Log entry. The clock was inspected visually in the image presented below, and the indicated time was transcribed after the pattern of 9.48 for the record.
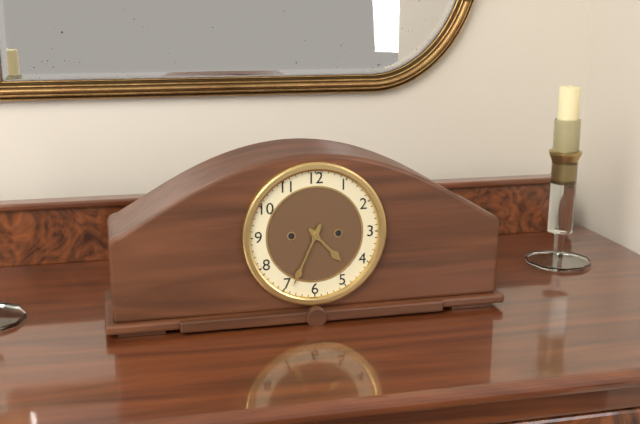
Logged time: 4.34
